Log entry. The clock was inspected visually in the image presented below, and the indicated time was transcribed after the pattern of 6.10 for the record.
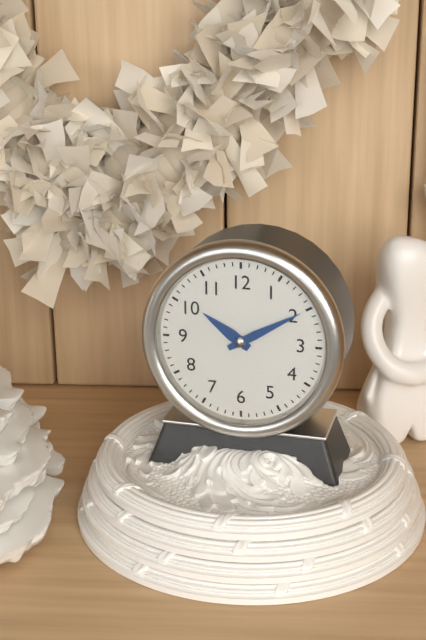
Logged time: 10.10
